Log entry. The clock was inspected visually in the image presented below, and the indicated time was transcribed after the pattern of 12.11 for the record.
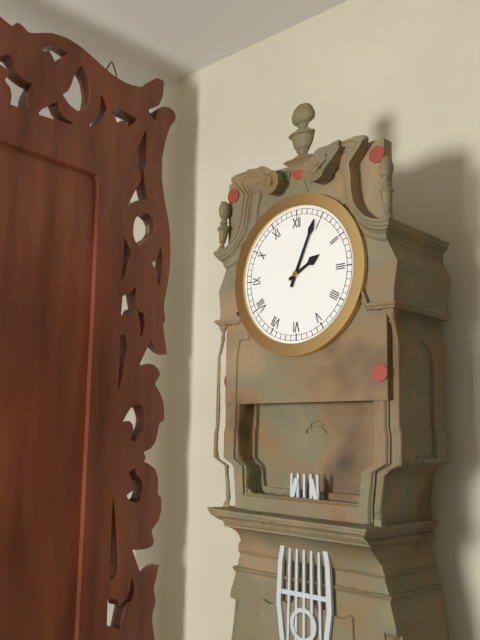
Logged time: 2.04
